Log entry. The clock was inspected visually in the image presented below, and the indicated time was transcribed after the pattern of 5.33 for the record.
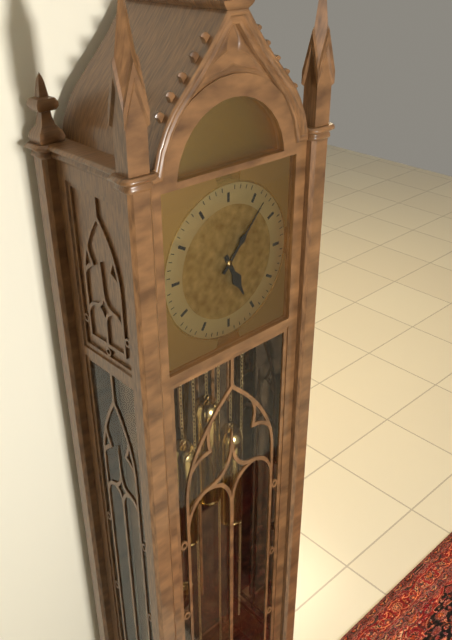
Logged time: 5.07
